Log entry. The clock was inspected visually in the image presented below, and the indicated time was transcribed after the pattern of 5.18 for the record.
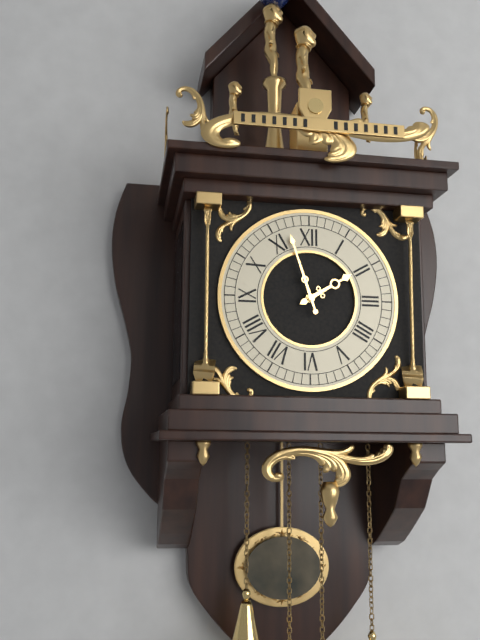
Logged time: 1.57
